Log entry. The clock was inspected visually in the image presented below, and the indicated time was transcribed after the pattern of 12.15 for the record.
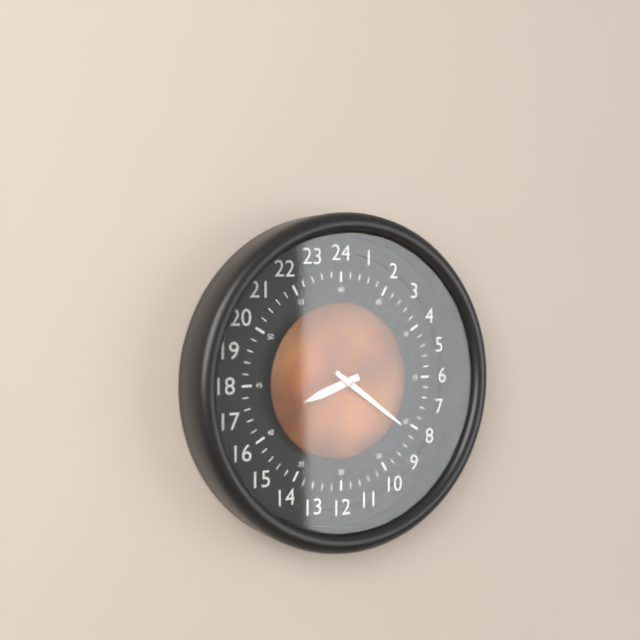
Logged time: 8.21
